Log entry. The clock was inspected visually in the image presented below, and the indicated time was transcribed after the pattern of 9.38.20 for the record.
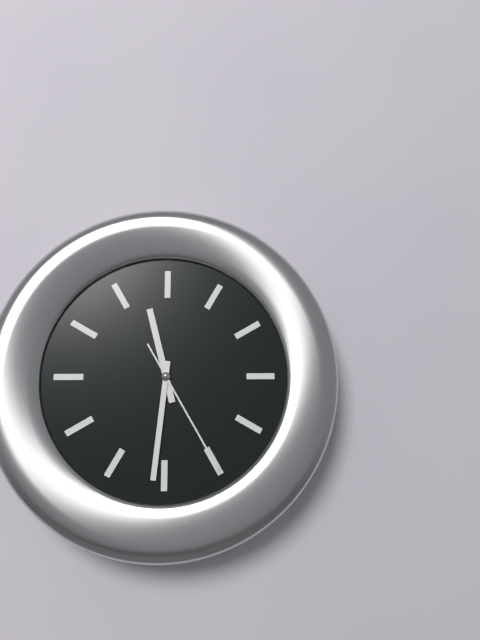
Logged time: 11.31.25
